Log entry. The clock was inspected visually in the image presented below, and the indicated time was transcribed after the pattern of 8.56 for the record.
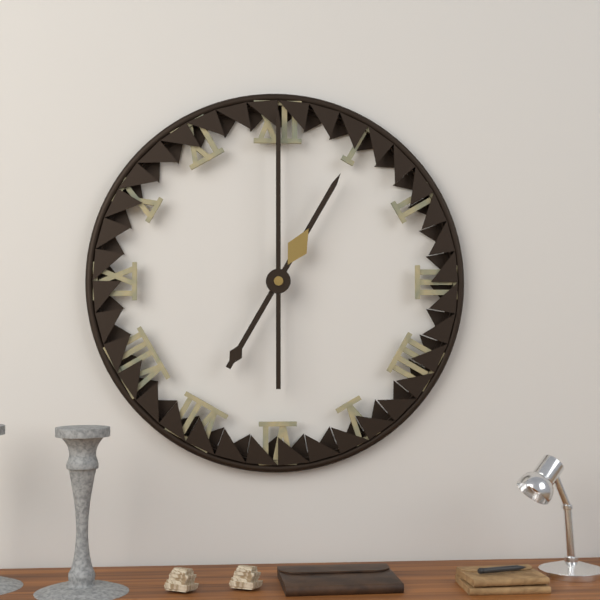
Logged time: 1.00
